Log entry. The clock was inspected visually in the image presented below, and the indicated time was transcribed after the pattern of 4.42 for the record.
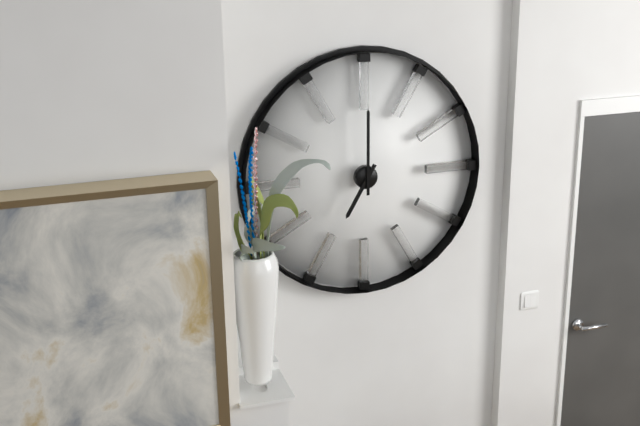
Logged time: 7.00
